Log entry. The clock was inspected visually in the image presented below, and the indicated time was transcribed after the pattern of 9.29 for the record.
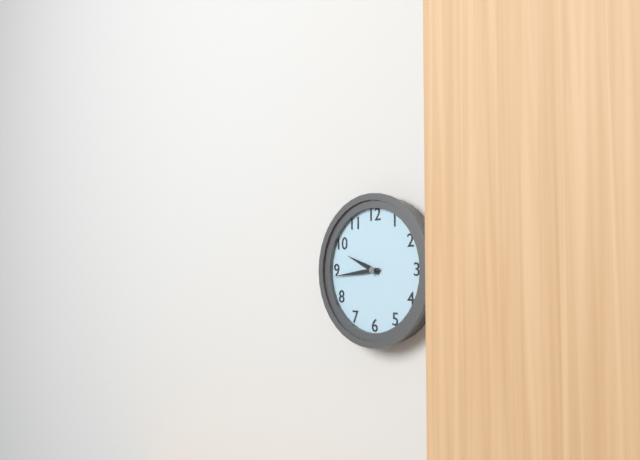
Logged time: 9.44
